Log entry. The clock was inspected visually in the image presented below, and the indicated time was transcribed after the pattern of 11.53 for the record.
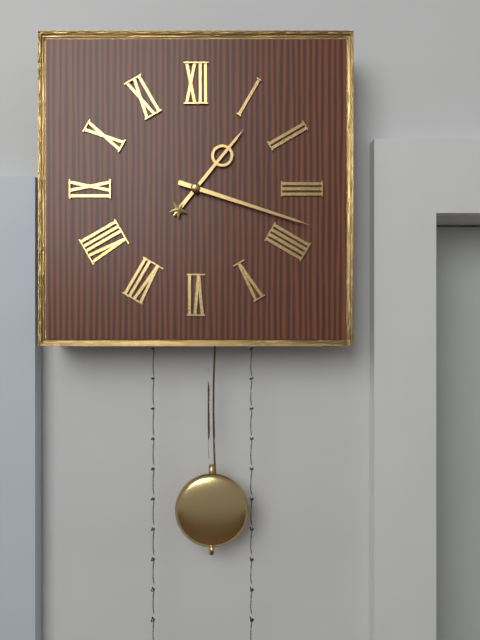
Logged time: 1.18
